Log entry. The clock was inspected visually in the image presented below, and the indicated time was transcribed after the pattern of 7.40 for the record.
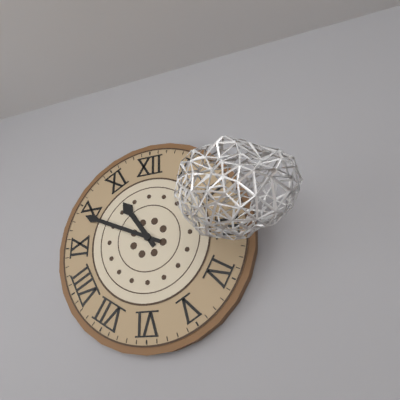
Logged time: 10.49
